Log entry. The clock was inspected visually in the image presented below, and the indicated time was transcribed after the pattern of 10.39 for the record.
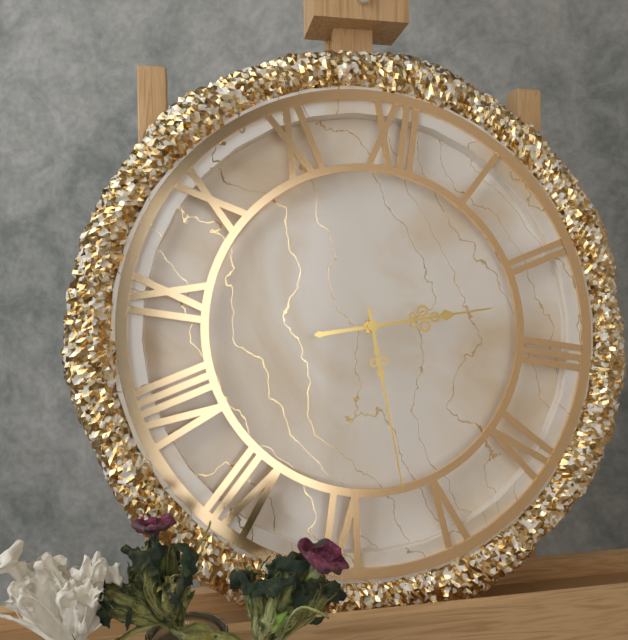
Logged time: 2.27
